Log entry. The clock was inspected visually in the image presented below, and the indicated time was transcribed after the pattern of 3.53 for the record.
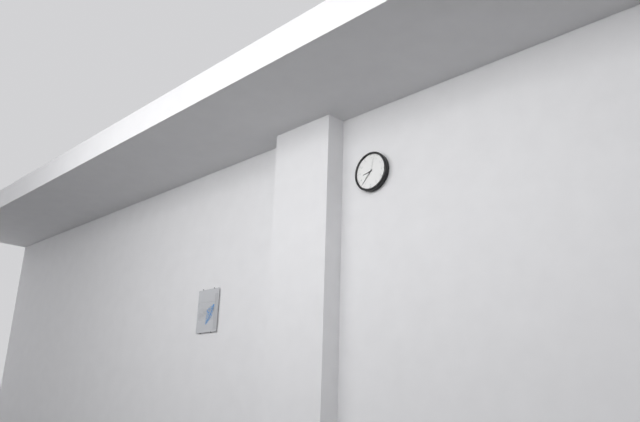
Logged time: 8.37
